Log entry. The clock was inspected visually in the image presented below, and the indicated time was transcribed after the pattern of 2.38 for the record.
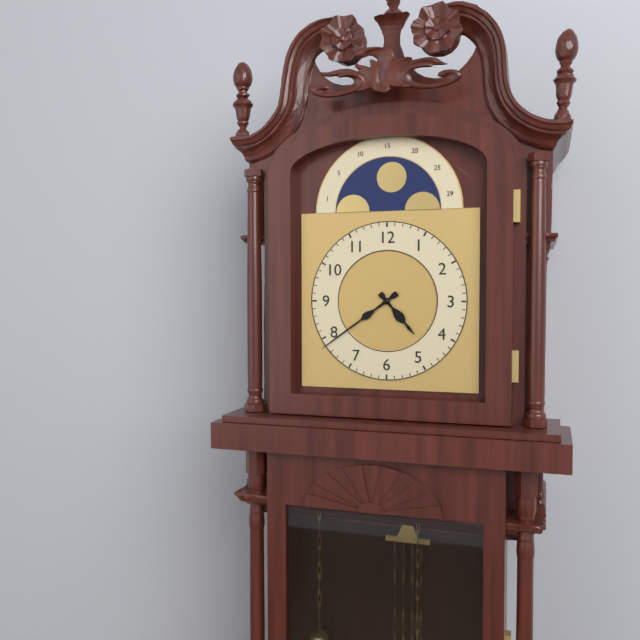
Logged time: 4.39
